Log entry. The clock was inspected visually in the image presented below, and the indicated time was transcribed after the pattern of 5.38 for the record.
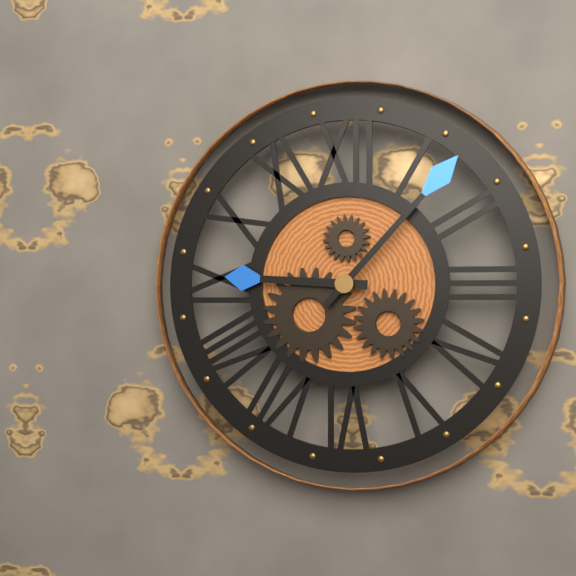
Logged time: 9.07
